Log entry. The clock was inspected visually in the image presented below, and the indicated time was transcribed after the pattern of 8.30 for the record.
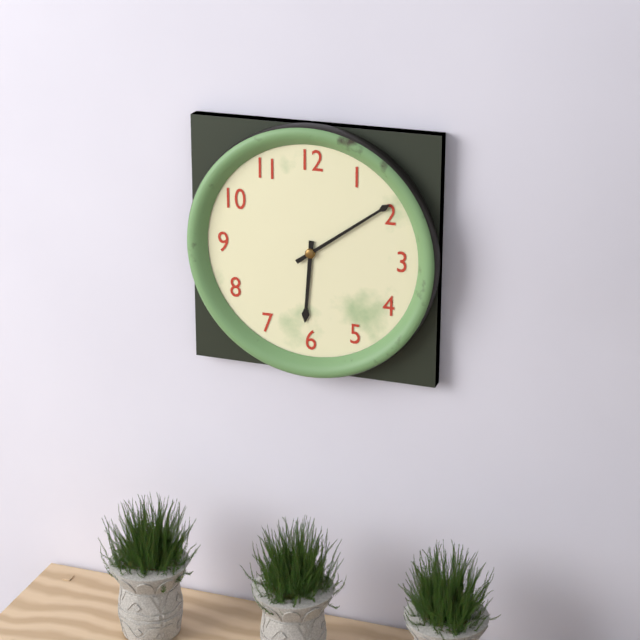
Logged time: 6.09
